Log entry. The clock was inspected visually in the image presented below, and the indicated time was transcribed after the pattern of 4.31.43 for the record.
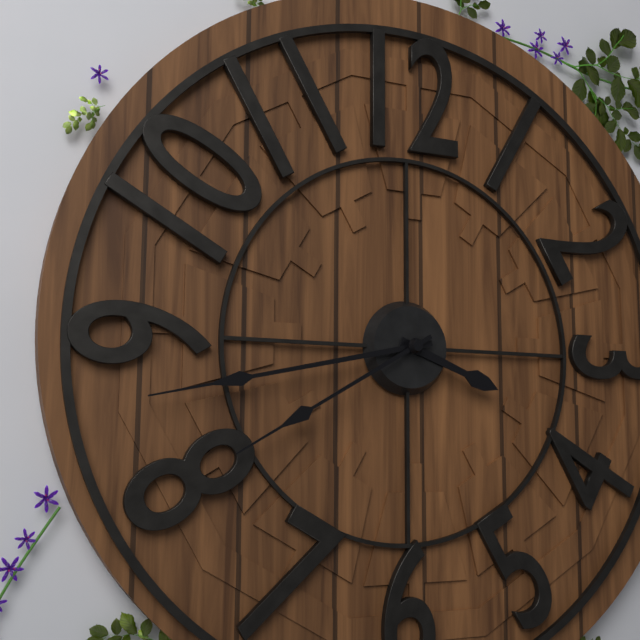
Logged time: 3.43.40
